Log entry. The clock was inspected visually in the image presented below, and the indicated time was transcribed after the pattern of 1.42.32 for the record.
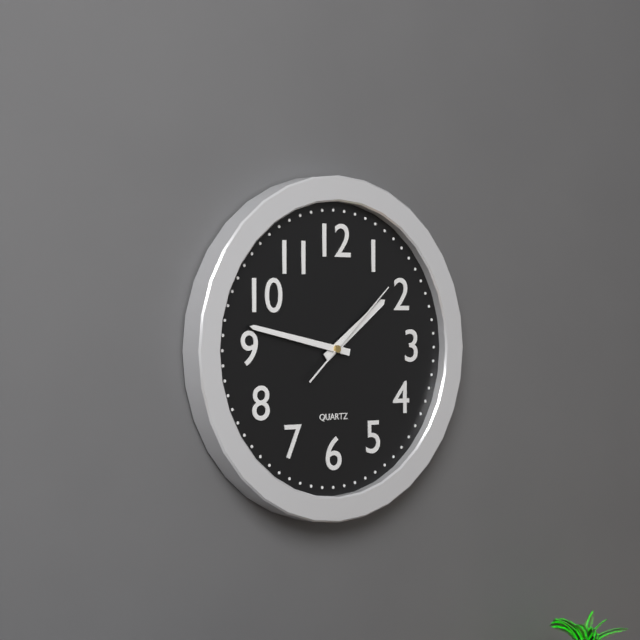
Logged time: 1.47.08
